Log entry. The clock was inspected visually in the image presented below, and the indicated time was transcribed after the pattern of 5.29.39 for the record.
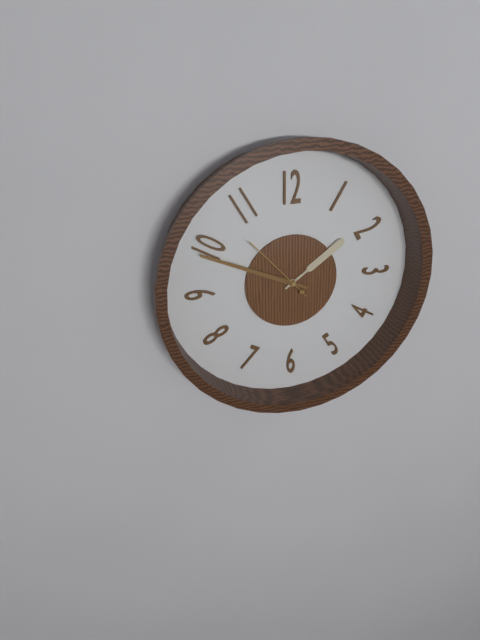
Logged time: 1.49.53
